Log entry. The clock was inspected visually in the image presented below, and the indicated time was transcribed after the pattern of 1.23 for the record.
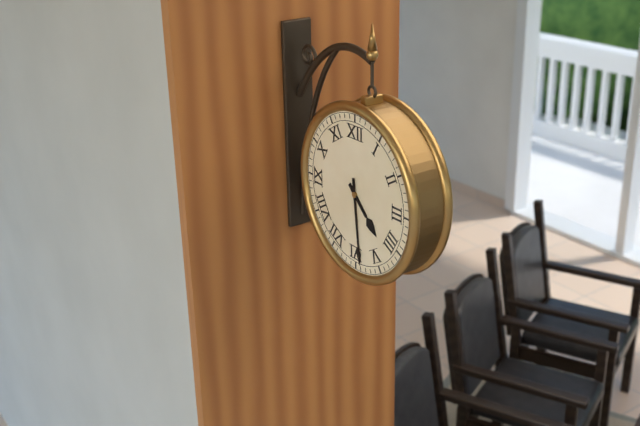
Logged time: 4.29
